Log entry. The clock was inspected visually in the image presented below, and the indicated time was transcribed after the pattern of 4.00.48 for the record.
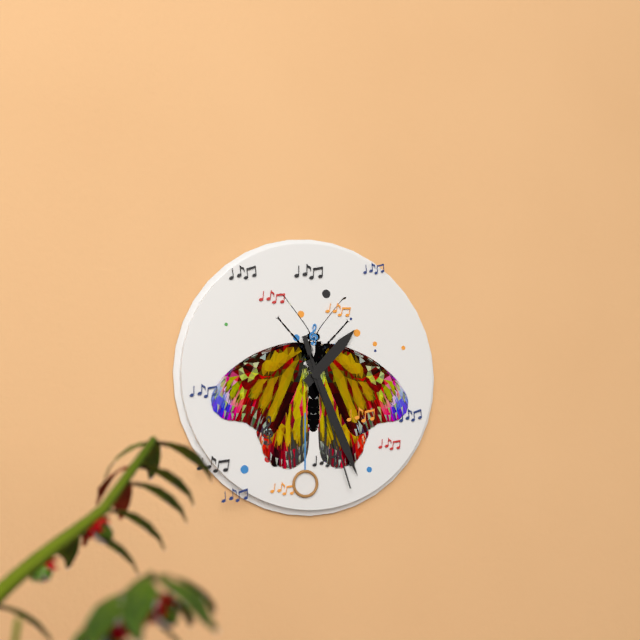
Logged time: 1.26.27
